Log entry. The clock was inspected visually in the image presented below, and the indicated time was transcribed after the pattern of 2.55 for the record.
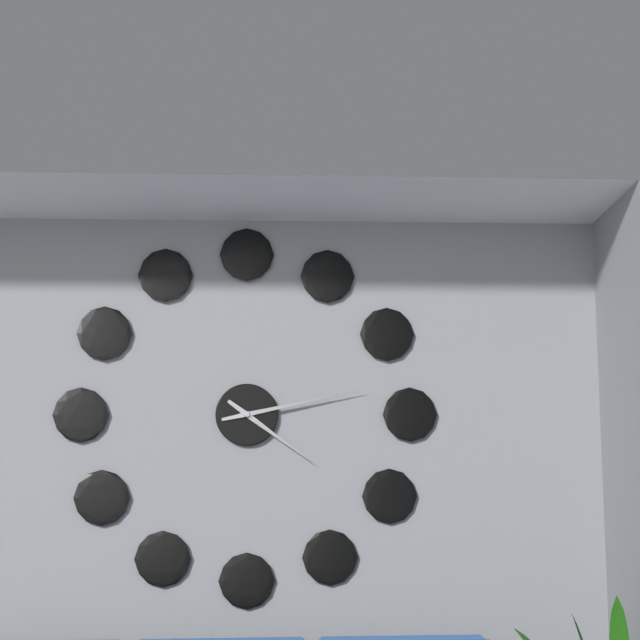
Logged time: 4.13
